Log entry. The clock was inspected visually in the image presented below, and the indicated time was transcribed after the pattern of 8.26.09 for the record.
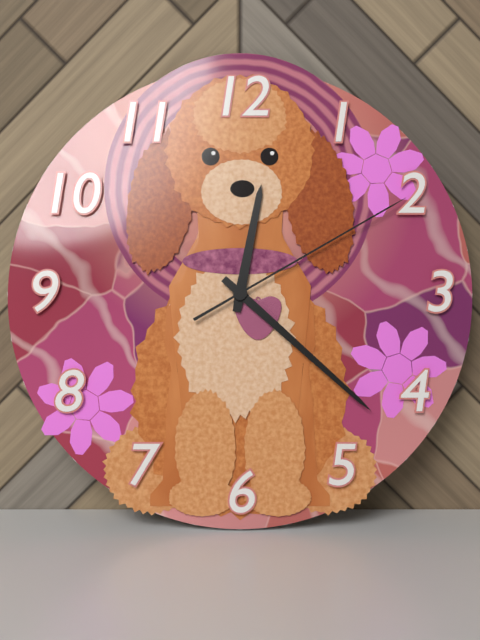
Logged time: 12.22.10
